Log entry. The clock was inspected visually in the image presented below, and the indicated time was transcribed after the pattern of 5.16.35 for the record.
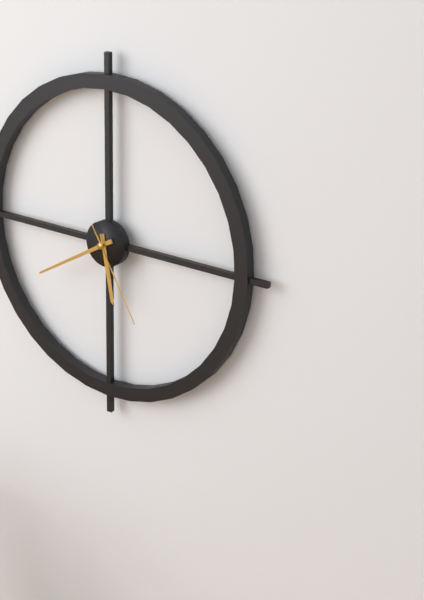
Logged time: 5.40.25
